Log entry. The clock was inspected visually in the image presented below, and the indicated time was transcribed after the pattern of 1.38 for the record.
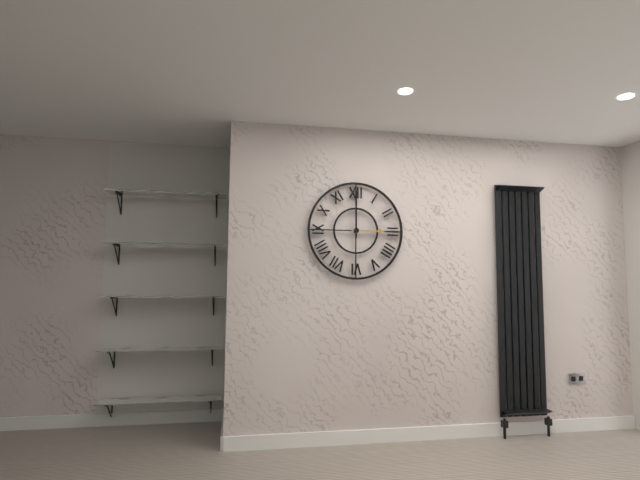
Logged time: 3.00
